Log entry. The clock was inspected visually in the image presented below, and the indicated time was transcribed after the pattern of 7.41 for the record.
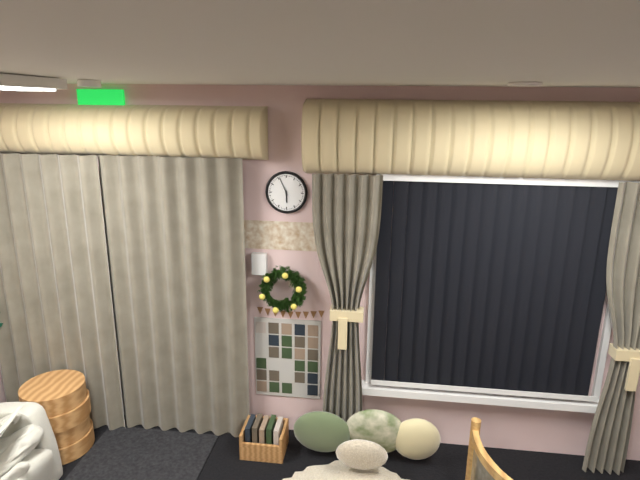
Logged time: 5.56
